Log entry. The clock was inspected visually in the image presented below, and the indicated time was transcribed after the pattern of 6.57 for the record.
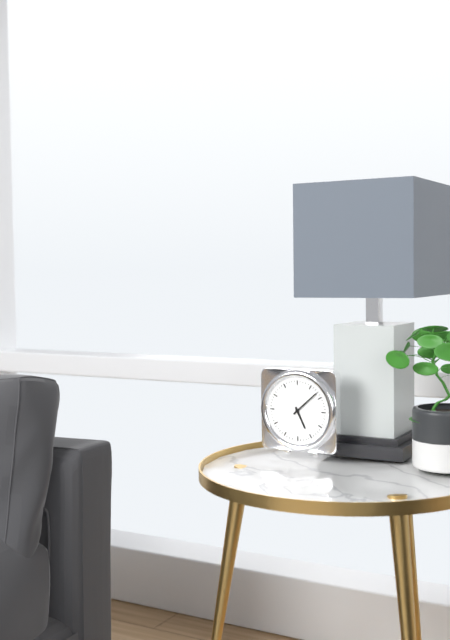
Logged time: 5.08
